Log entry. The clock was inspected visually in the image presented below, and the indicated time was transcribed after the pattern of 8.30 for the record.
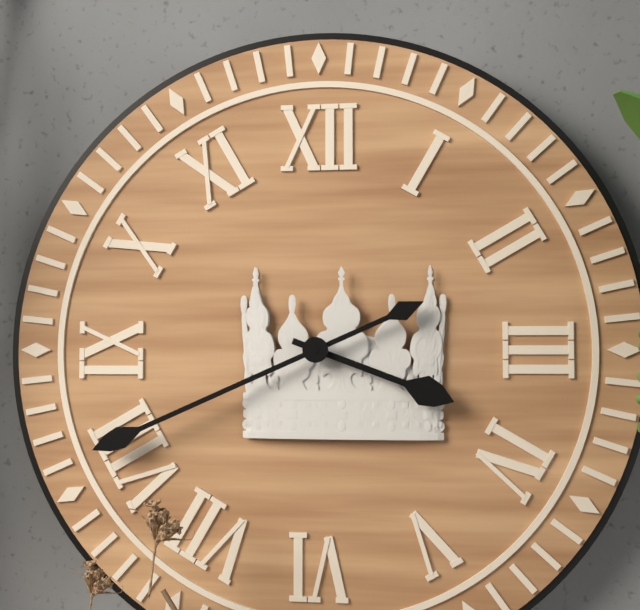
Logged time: 3.41
